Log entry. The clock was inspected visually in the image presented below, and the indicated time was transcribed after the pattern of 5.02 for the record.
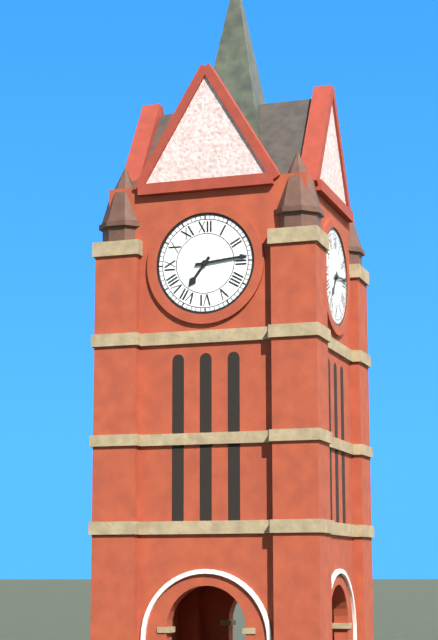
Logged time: 7.14
